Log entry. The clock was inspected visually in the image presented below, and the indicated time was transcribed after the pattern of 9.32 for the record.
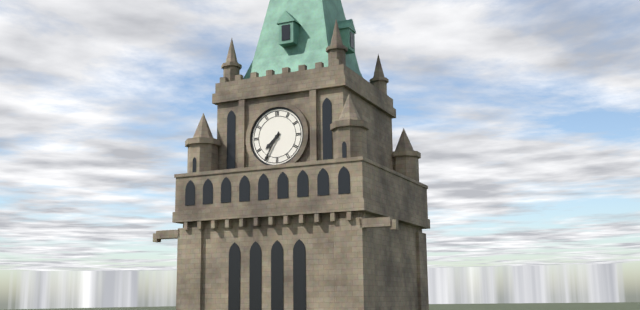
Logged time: 7.35
